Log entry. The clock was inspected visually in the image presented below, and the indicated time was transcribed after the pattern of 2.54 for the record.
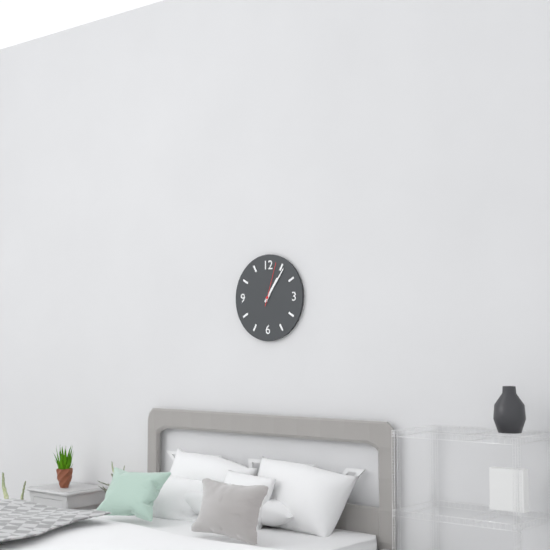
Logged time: 1.06
